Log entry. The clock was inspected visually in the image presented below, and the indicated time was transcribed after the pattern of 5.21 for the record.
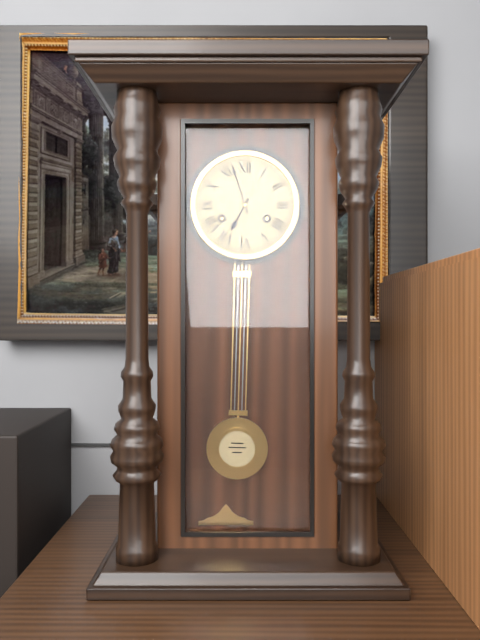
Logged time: 6.57
